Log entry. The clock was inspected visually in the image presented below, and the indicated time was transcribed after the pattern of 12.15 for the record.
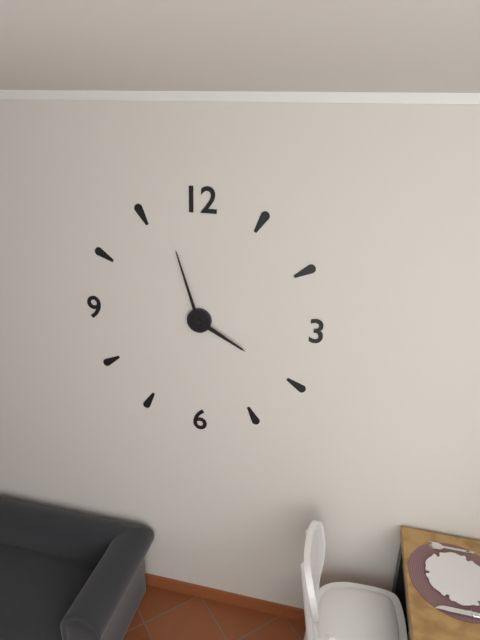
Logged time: 3.57
